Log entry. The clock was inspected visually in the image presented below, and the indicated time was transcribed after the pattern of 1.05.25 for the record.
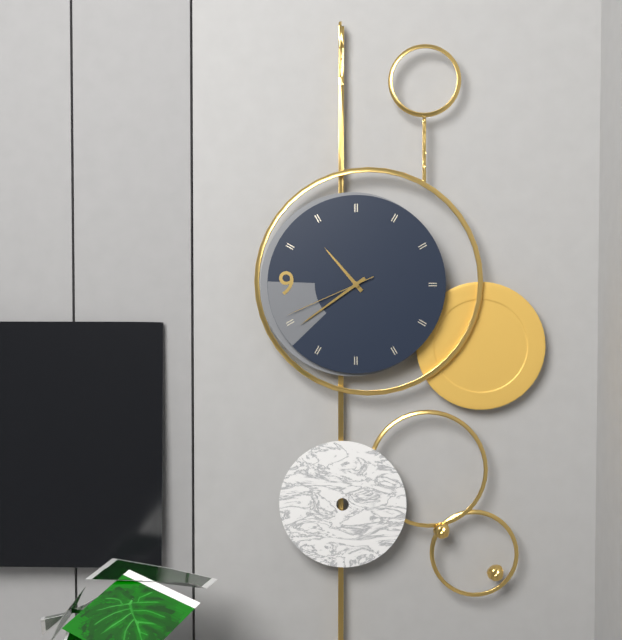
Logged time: 10.39.41
